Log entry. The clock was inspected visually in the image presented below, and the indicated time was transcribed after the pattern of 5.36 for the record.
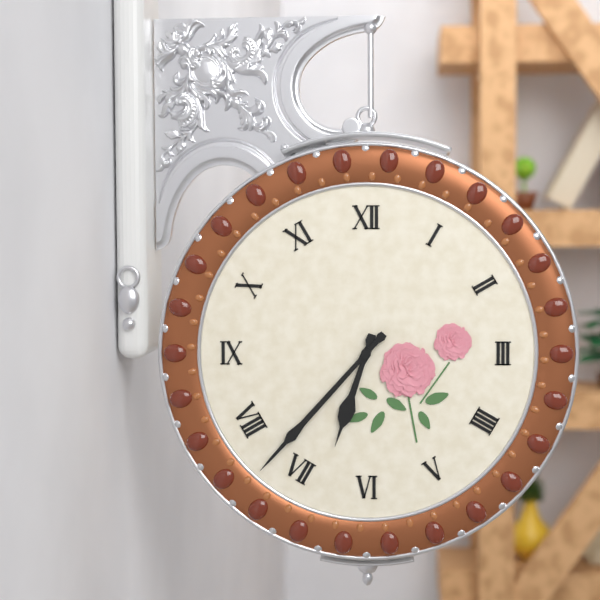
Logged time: 6.37
